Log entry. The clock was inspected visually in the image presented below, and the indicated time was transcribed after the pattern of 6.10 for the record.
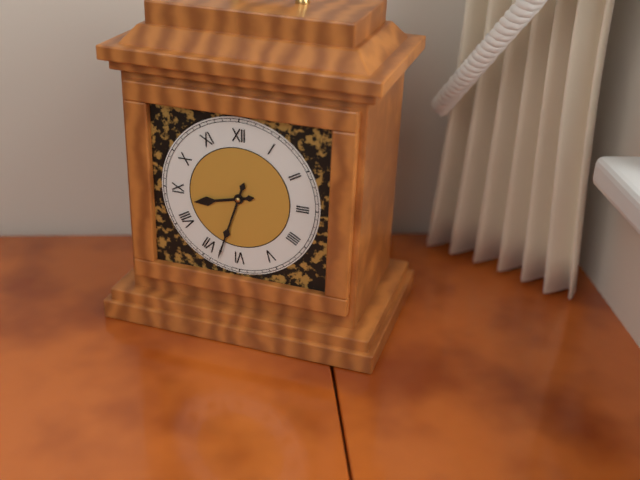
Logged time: 8.33
